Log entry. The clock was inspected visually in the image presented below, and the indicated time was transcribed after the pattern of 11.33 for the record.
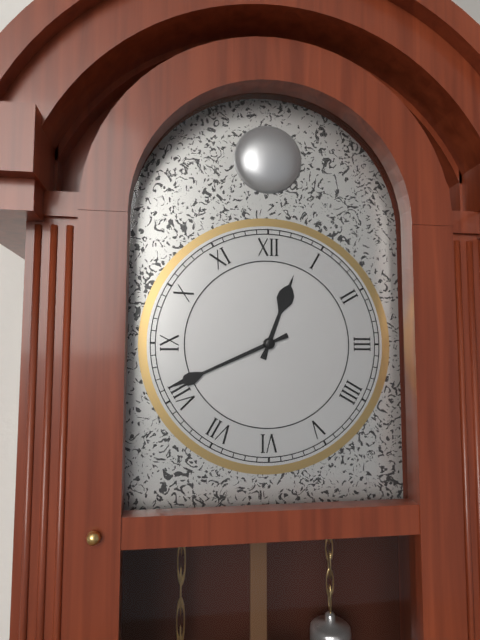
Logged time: 12.41
